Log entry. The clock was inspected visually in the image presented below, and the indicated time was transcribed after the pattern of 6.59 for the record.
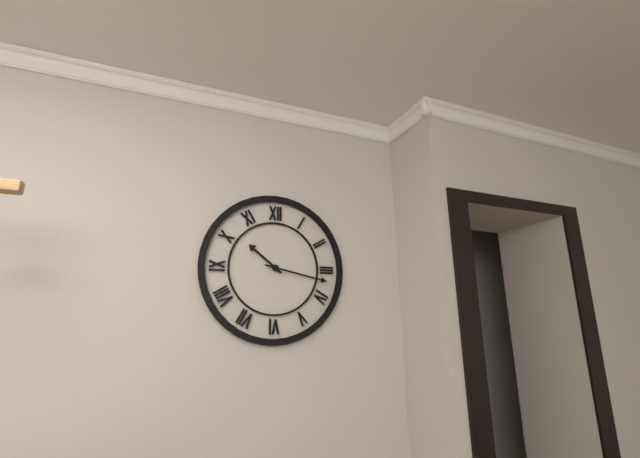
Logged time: 10.17
